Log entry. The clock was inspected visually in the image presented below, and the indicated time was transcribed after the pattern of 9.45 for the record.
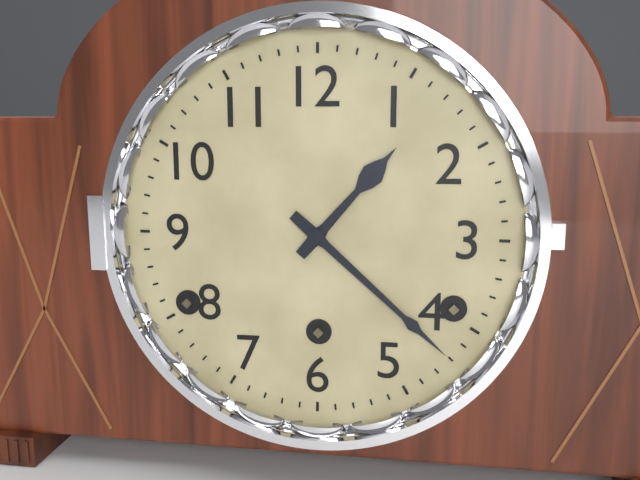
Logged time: 1.22
